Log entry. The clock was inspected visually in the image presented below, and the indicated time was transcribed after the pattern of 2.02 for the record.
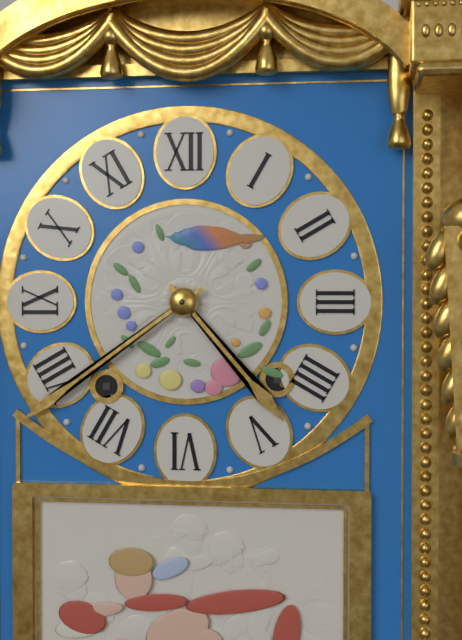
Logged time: 4.39
